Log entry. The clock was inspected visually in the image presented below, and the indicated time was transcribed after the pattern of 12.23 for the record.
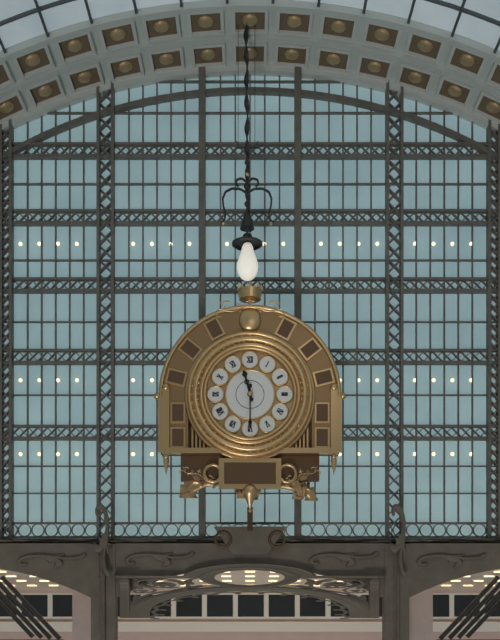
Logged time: 11.30
